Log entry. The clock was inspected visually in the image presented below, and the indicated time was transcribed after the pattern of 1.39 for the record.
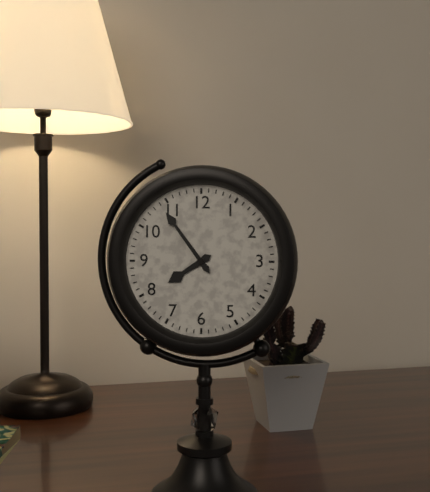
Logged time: 7.54
